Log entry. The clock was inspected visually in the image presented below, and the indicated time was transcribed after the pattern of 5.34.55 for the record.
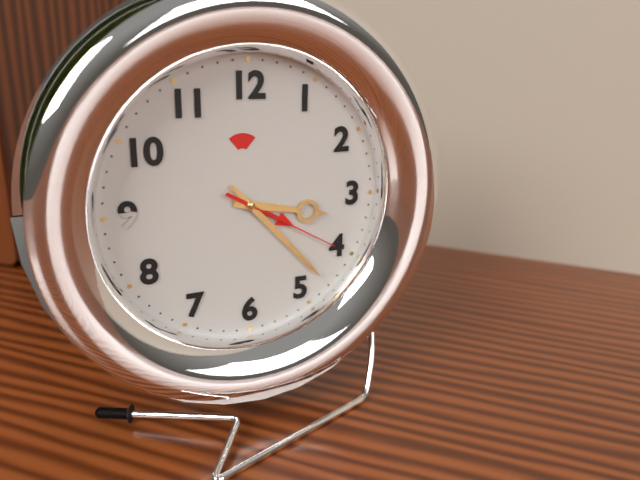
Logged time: 3.23.20
